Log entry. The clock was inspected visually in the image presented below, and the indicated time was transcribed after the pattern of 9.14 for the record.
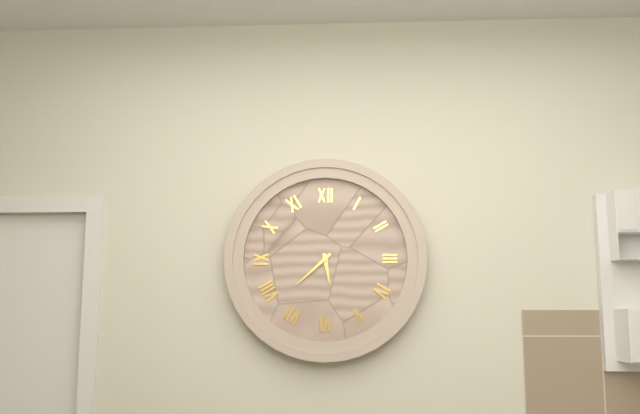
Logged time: 5.38
